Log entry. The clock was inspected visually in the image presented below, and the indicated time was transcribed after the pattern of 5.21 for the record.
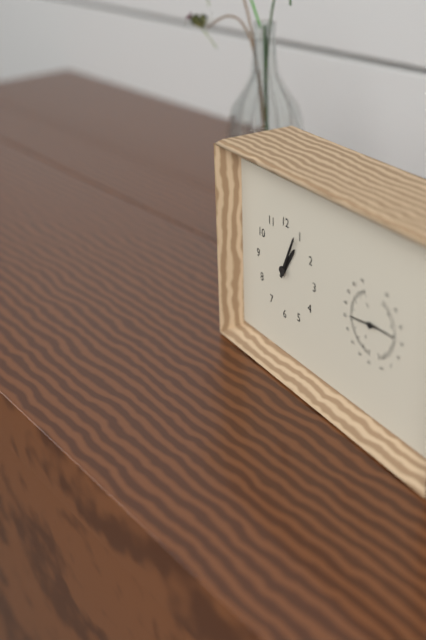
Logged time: 1.04
